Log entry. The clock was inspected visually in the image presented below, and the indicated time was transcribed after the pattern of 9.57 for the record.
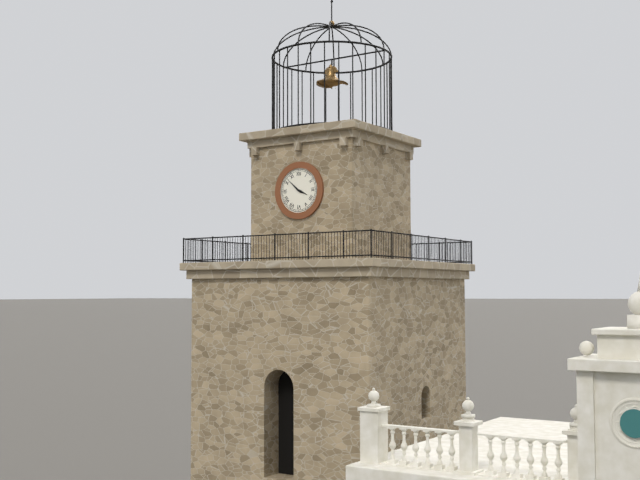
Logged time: 3.52
